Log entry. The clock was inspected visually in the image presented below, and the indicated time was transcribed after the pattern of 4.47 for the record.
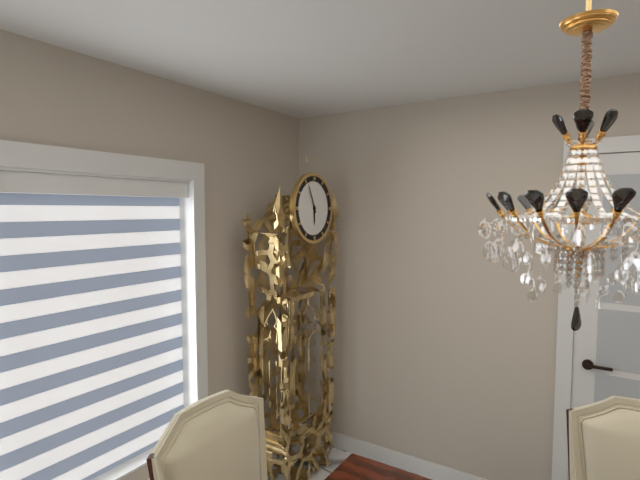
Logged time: 5.56
